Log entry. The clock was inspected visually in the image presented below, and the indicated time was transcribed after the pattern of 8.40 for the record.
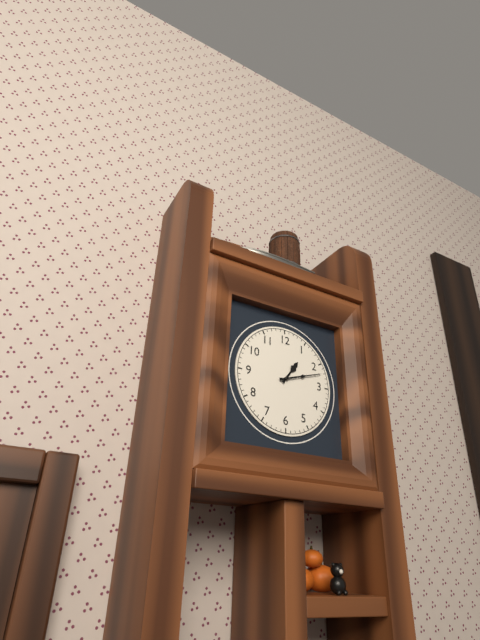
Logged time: 1.12
